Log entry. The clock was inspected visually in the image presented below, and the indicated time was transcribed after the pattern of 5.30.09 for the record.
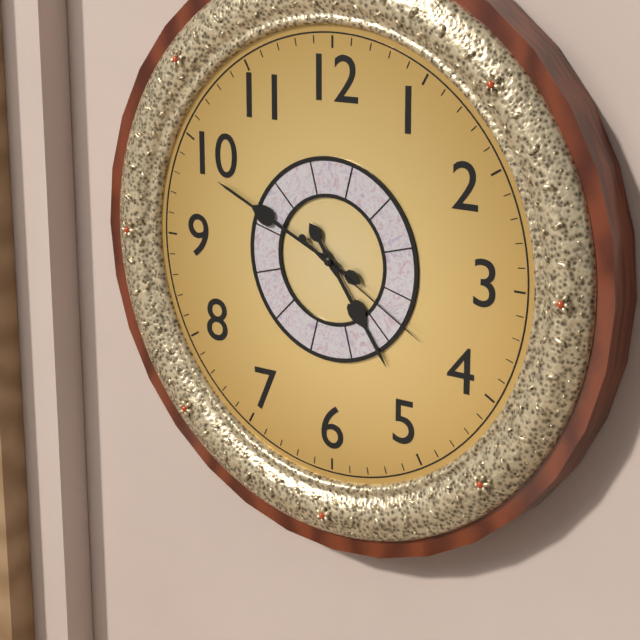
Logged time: 4.49.20
